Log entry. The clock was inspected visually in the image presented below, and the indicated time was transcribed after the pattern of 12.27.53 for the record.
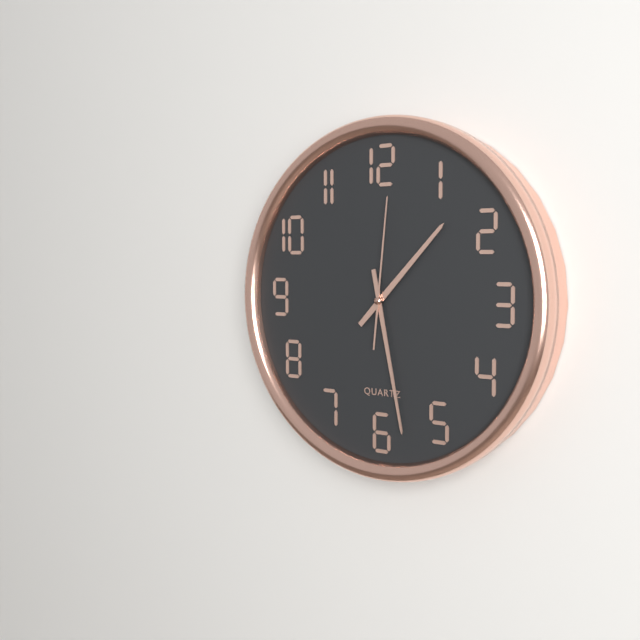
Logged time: 1.28.01
